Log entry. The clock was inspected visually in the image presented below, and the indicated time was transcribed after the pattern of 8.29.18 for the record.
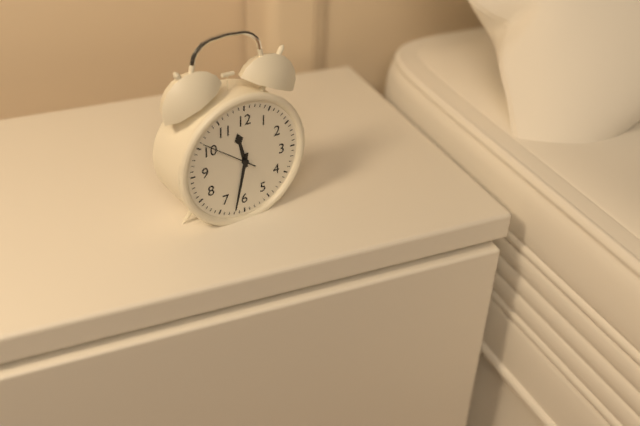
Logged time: 11.32.51
